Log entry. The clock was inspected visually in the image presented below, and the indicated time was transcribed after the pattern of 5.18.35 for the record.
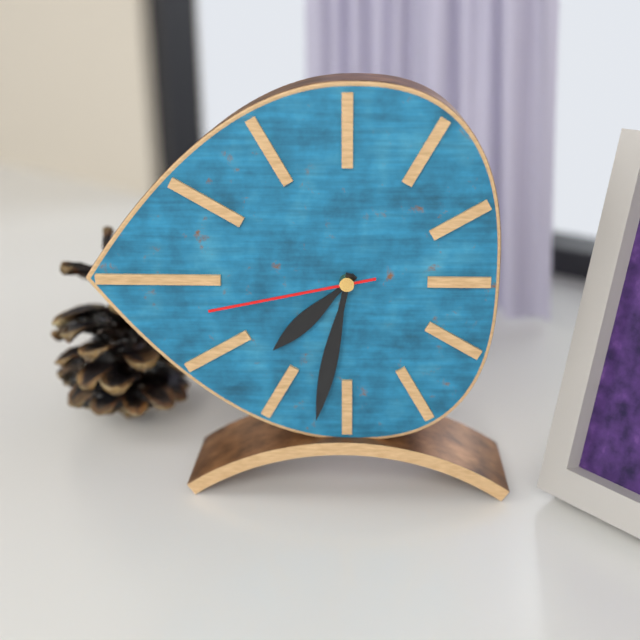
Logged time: 7.32.43
